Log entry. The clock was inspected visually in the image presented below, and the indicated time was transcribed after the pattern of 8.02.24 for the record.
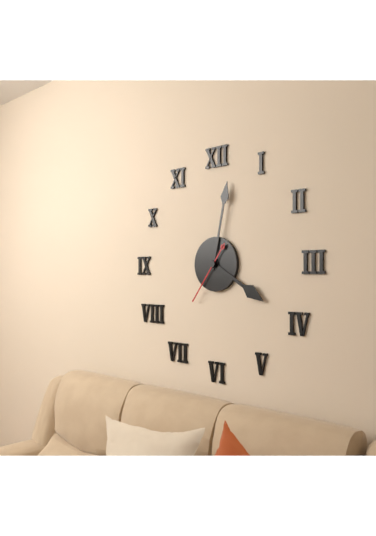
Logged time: 4.02.36
